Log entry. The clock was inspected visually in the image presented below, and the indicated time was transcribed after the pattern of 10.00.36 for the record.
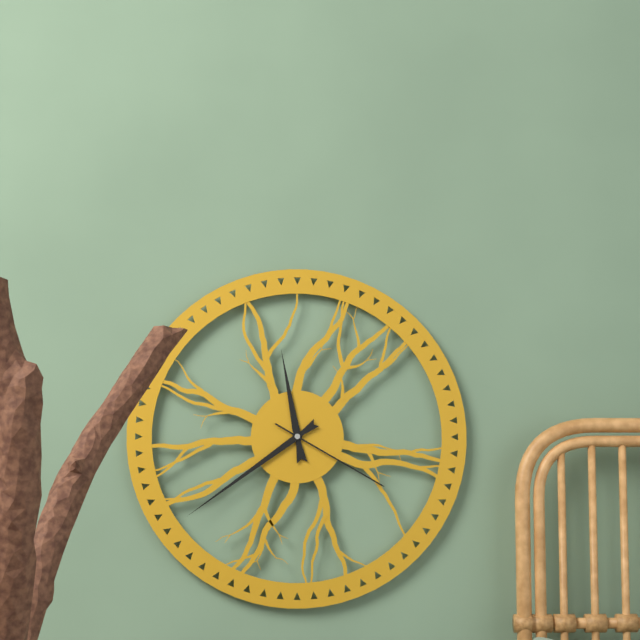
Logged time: 11.39.20
